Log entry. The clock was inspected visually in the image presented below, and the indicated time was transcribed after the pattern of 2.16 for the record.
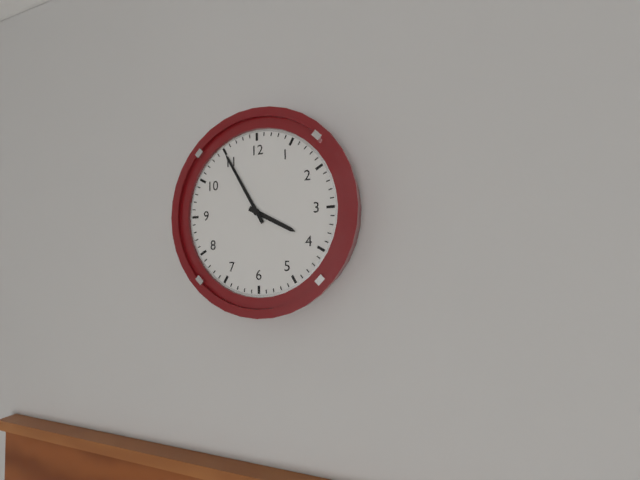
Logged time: 3.55
